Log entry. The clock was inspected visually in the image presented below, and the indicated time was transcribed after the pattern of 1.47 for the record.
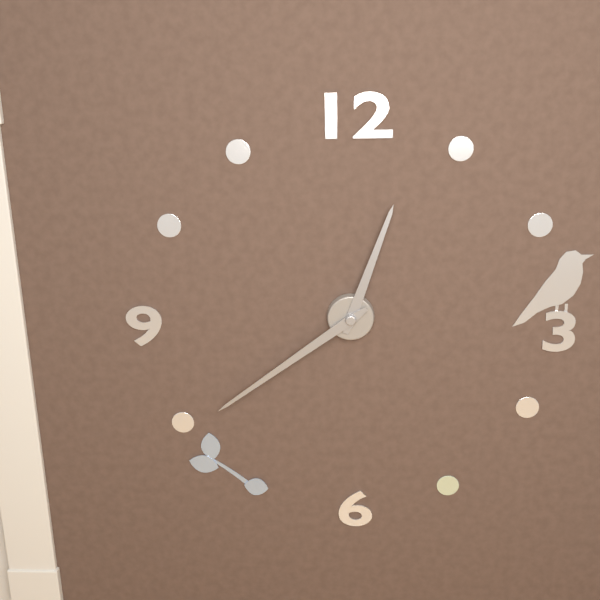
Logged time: 12.39
